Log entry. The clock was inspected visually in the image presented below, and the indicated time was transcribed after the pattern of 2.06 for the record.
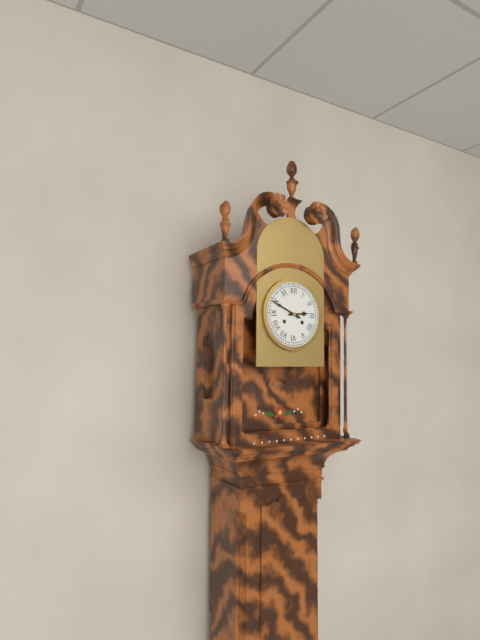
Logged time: 2.49
